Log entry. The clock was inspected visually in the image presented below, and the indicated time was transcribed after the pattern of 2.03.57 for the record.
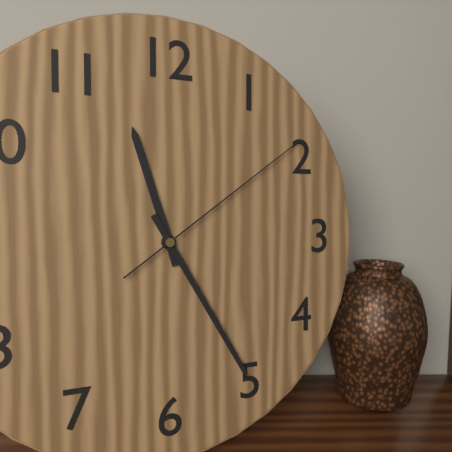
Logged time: 11.25.09
